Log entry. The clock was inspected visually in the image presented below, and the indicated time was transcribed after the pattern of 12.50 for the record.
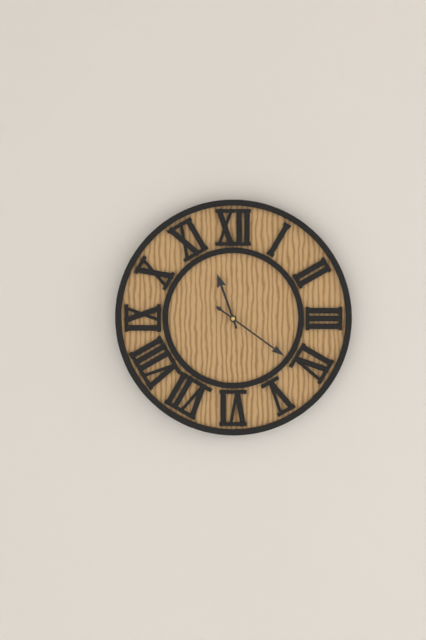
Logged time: 11.21
